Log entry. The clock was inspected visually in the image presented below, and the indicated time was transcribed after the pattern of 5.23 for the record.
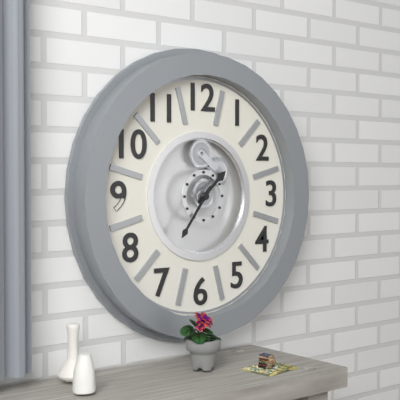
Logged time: 1.36
